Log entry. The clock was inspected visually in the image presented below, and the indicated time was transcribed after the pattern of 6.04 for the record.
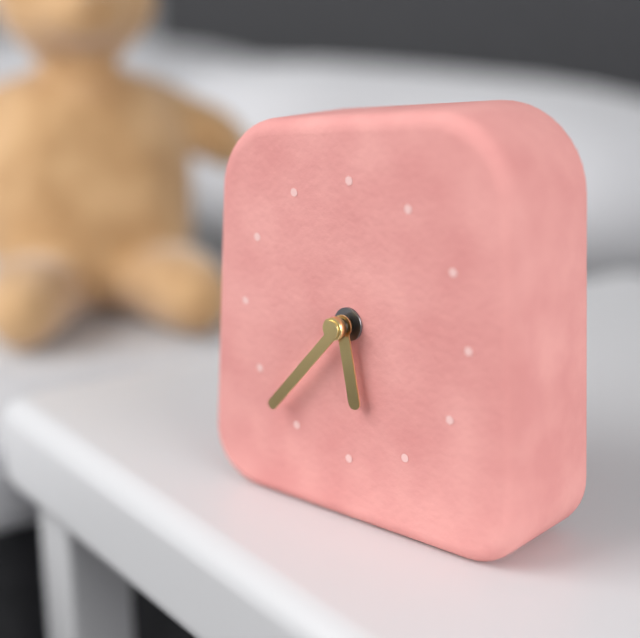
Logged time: 5.37
